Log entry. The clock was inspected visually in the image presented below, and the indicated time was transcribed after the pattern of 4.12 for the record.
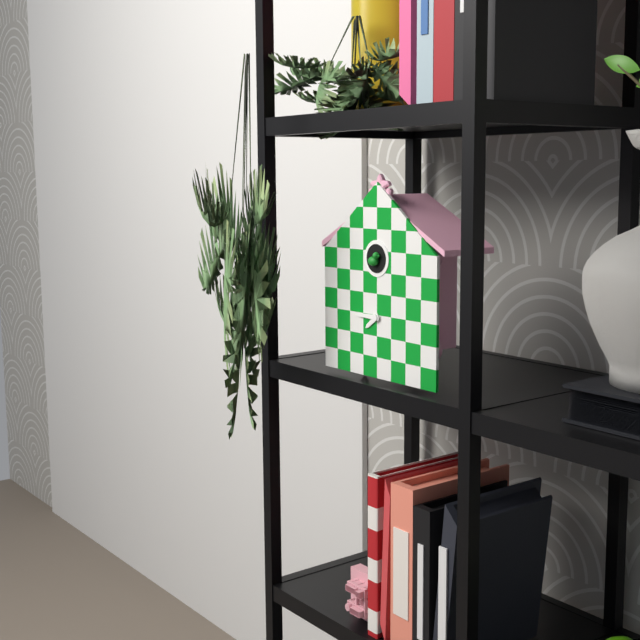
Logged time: 7.45
